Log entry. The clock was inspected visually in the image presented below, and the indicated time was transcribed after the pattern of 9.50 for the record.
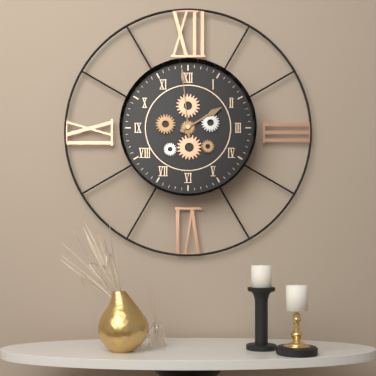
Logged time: 1.59
